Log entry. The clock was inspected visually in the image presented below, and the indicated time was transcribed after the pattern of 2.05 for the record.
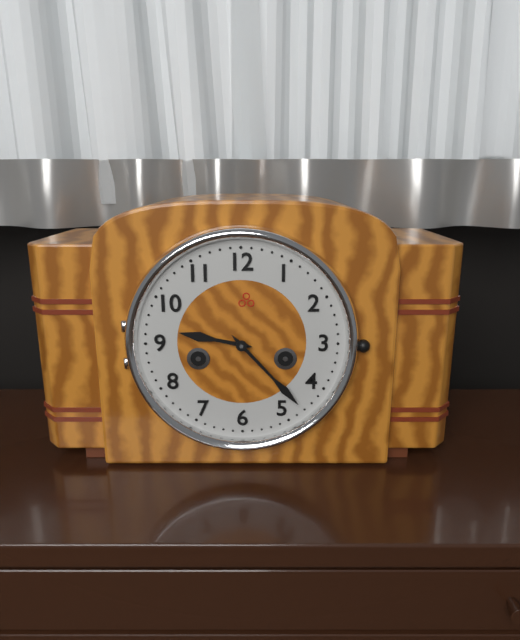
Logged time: 9.23
